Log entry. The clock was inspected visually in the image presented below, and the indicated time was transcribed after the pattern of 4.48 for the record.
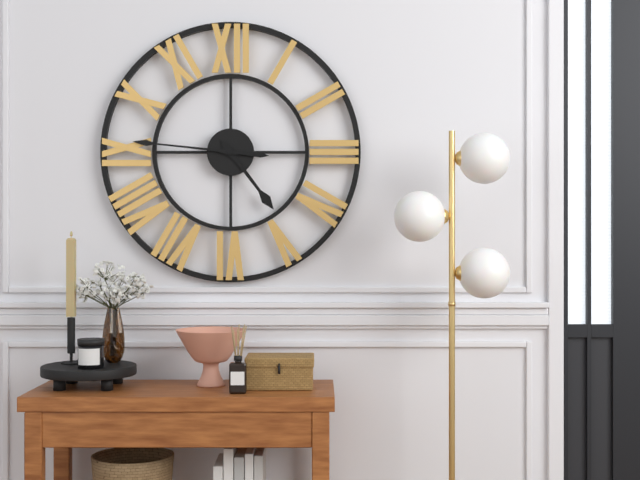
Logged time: 4.46
